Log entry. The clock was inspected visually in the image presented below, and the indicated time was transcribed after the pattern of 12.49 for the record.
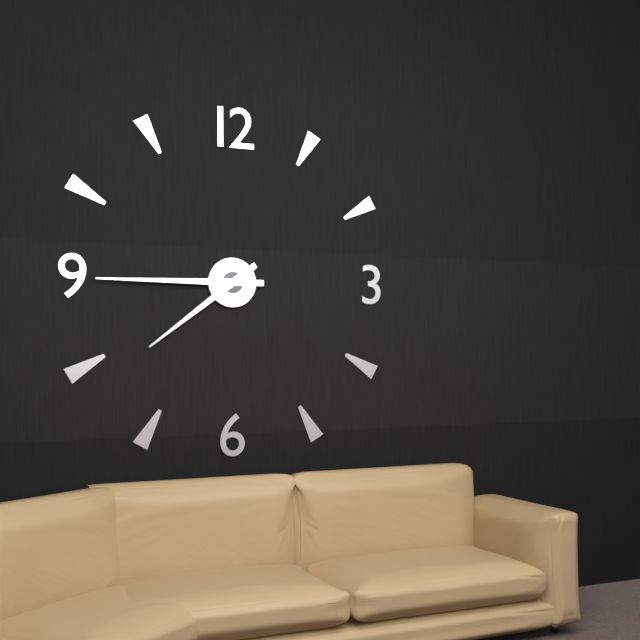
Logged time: 7.45
